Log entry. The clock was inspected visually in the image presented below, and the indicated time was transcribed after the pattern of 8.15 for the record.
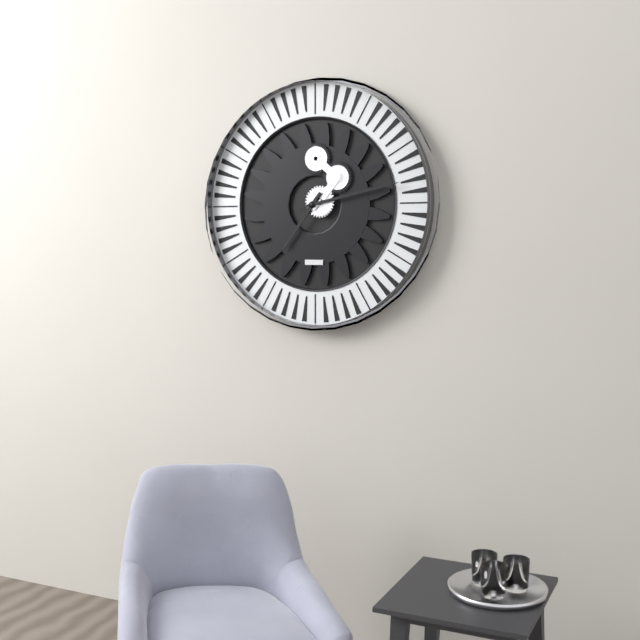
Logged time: 7.13
